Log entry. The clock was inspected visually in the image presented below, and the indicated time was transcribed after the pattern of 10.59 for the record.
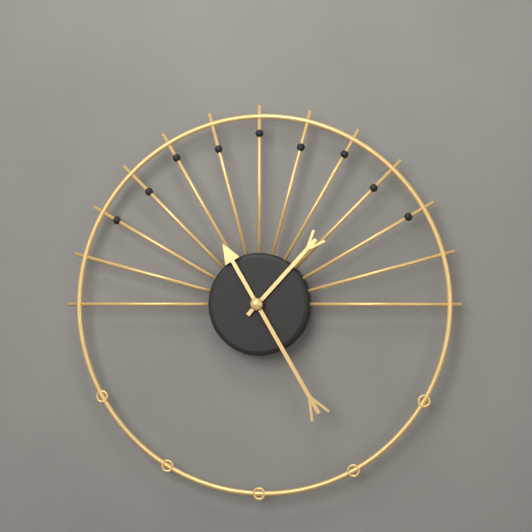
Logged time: 1.25
